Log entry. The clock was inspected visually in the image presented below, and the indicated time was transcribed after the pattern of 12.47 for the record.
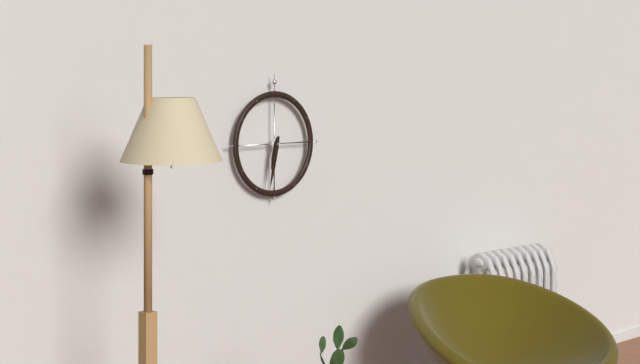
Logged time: 6.32
